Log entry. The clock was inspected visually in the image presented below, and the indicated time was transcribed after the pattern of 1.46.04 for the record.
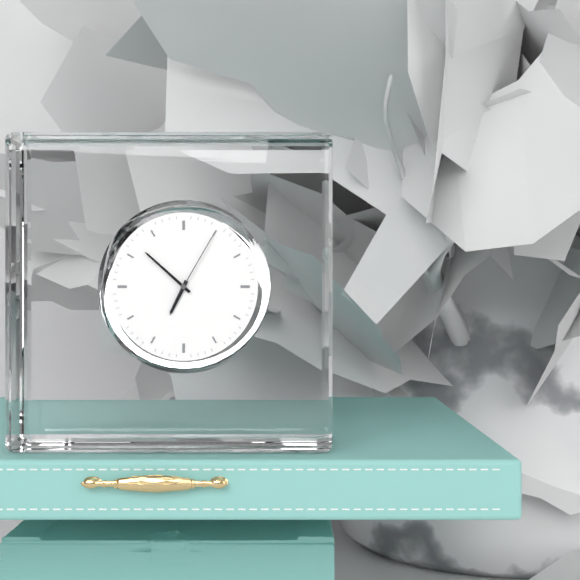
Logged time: 6.52.05
